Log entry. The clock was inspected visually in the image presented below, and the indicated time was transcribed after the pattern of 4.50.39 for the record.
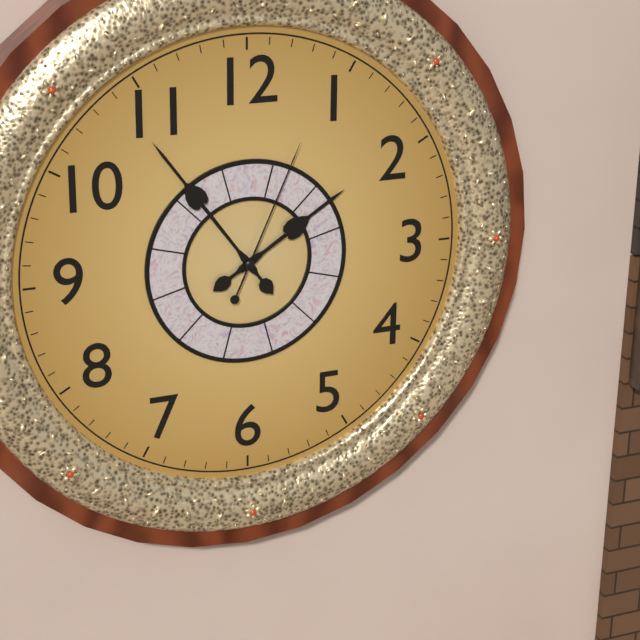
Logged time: 1.54.04
